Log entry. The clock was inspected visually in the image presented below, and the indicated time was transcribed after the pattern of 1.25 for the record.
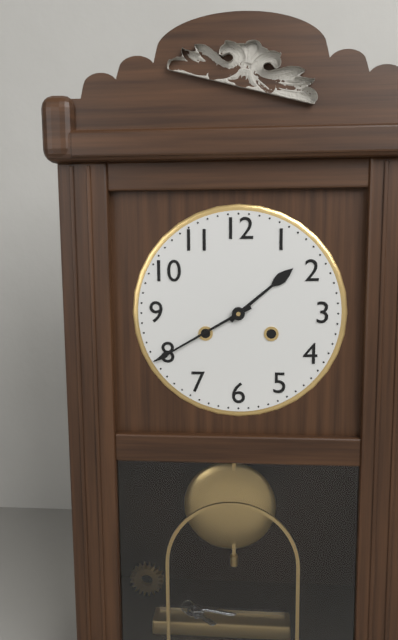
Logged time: 1.40
